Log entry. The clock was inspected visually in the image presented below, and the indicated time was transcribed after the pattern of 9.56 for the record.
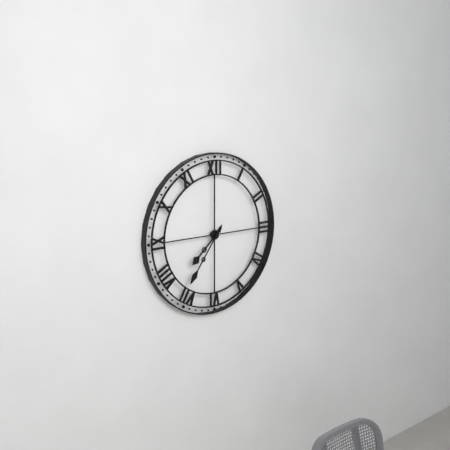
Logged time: 7.36
